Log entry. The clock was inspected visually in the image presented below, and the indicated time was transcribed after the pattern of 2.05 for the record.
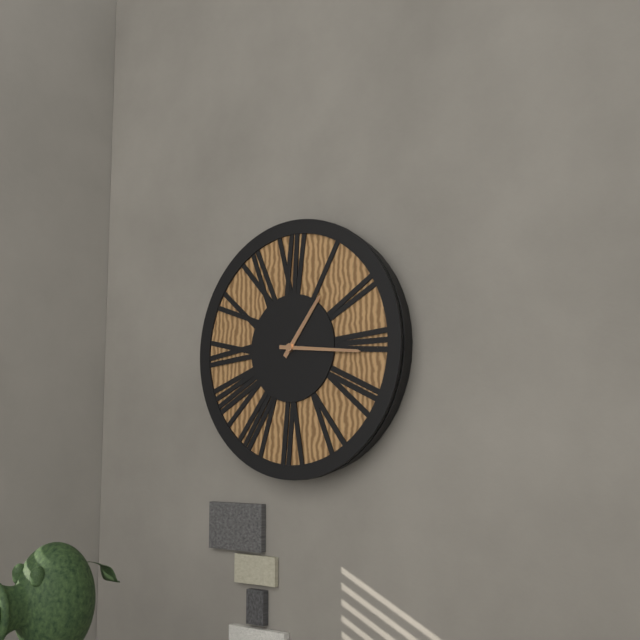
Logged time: 1.16
